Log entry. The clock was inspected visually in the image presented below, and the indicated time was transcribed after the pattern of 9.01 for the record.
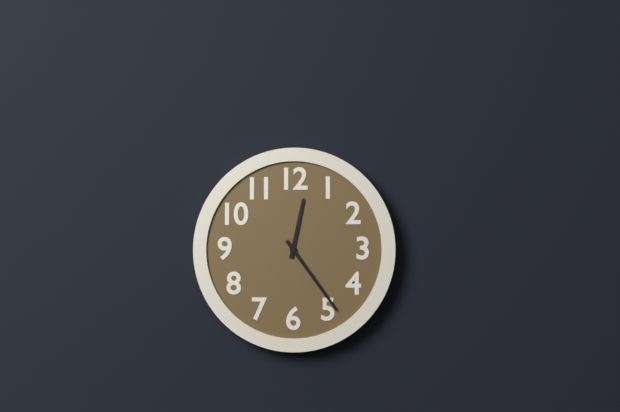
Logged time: 12.24
